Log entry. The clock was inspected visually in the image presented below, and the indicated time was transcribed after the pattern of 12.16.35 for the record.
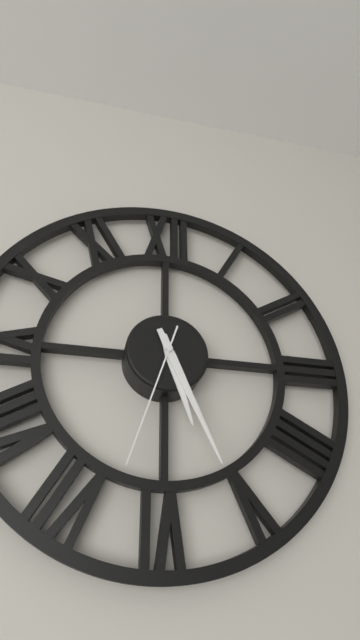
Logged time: 5.26.33
